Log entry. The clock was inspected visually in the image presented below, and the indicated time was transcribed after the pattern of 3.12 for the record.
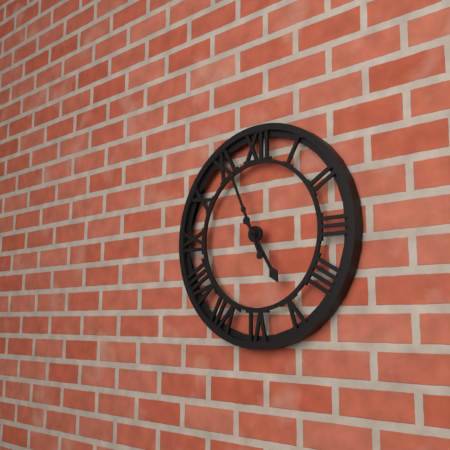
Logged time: 4.56
